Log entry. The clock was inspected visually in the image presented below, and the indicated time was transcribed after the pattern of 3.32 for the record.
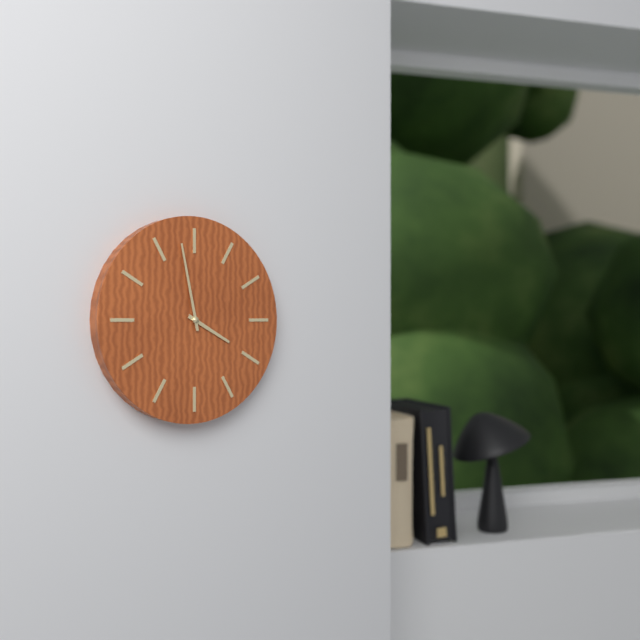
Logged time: 3.58
